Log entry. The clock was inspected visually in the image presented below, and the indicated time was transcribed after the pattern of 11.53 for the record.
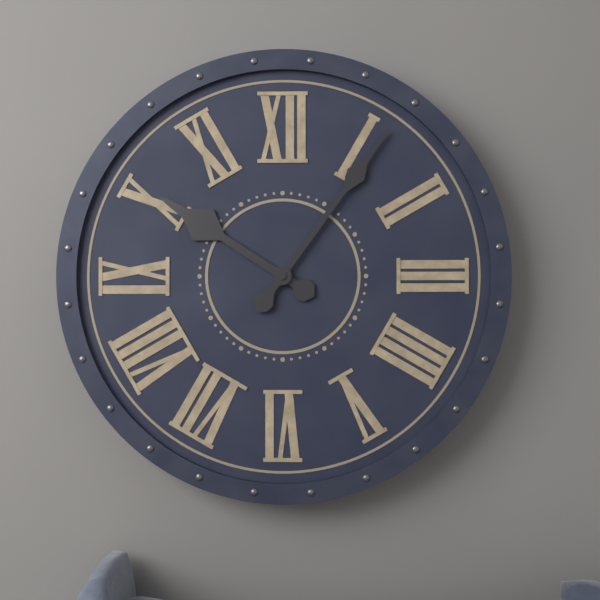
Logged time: 10.06
